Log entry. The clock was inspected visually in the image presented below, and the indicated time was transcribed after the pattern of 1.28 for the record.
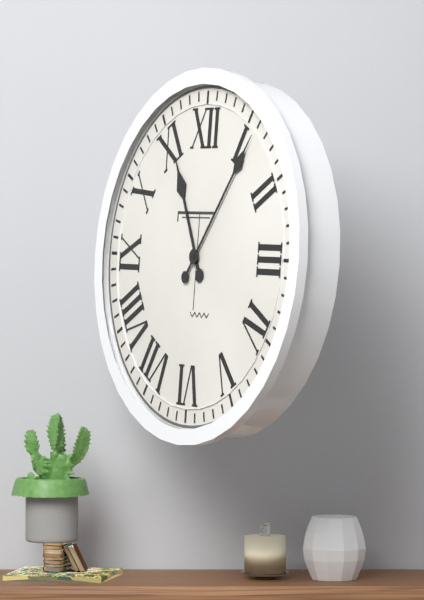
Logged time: 11.06
